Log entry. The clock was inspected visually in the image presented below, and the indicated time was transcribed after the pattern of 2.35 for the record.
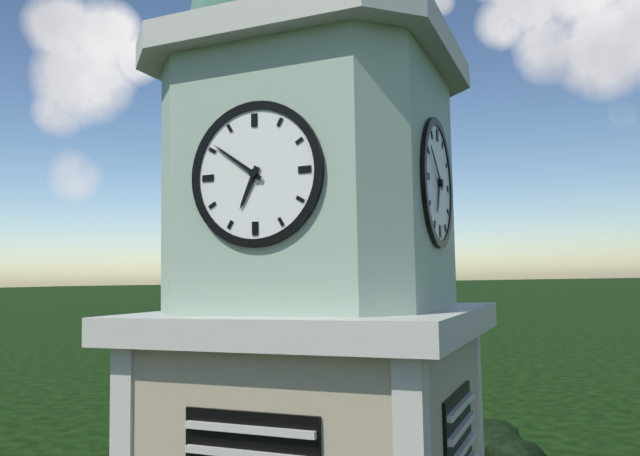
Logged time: 6.51
